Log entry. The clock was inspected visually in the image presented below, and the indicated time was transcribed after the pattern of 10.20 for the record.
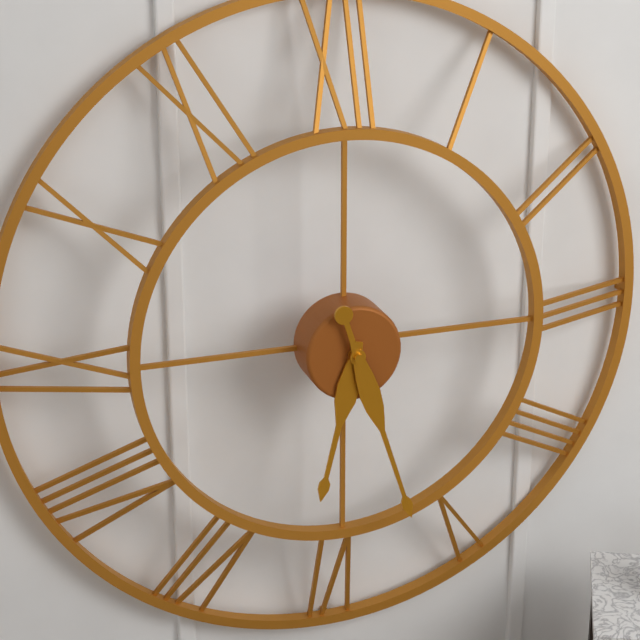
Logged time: 6.27
